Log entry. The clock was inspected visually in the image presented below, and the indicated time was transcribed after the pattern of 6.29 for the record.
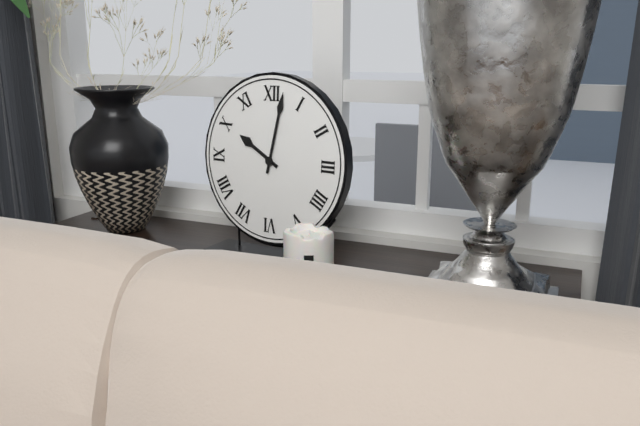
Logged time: 10.02
